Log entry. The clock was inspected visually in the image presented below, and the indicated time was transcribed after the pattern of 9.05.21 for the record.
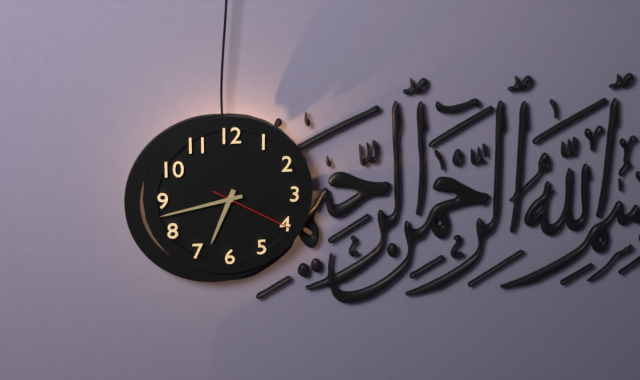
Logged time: 6.43.20
